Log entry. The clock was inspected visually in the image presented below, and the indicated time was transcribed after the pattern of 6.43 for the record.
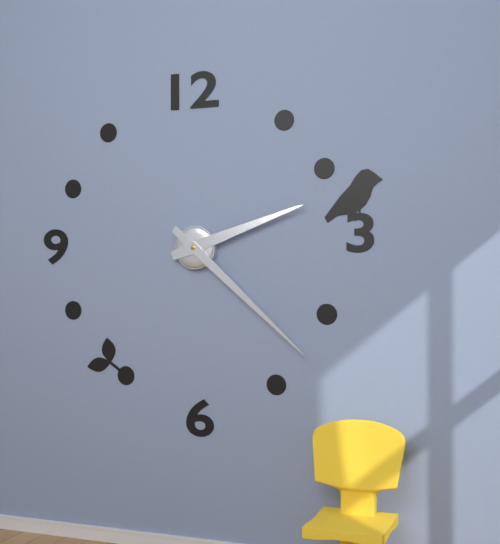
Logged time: 2.22
